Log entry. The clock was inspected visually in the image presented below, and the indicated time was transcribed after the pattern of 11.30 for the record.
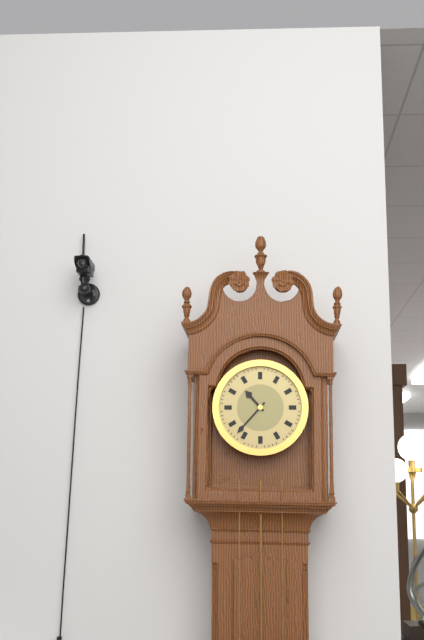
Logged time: 10.37
